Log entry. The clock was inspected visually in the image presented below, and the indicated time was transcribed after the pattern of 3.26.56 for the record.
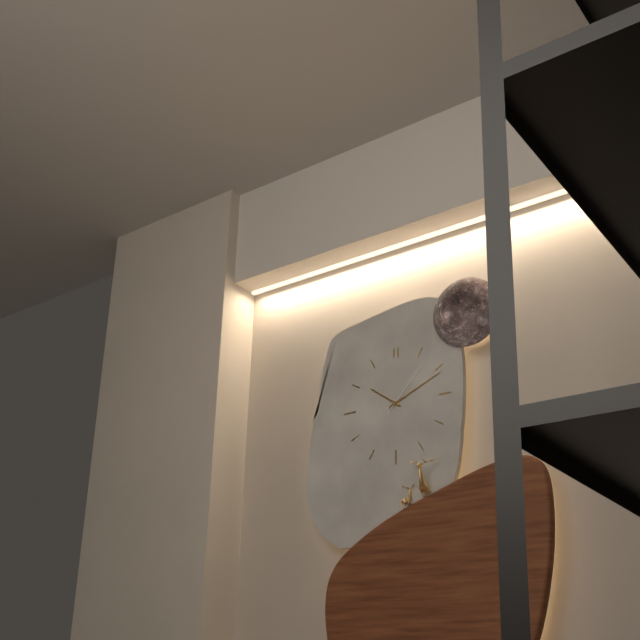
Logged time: 10.11.07
